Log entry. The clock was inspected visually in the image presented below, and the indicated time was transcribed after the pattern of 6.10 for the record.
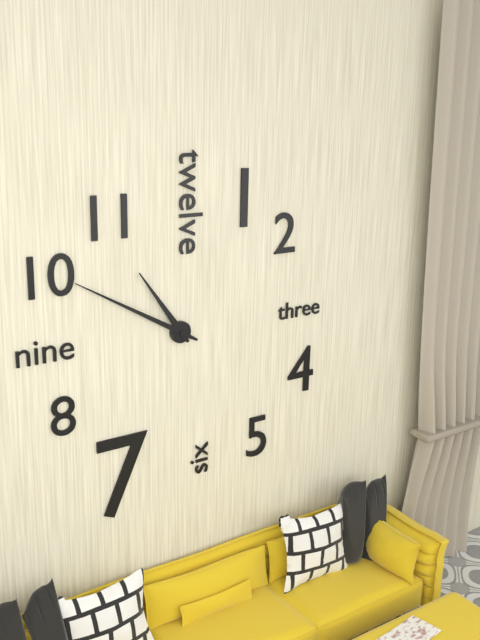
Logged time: 10.50
